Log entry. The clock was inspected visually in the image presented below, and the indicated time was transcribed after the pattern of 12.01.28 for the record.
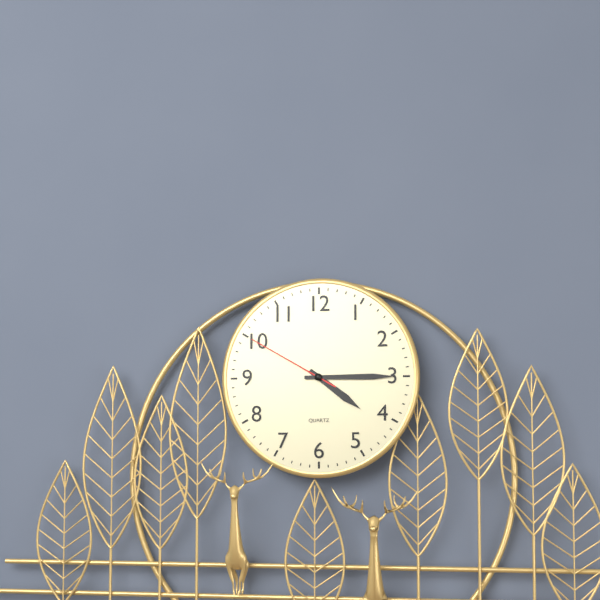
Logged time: 4.15.50
